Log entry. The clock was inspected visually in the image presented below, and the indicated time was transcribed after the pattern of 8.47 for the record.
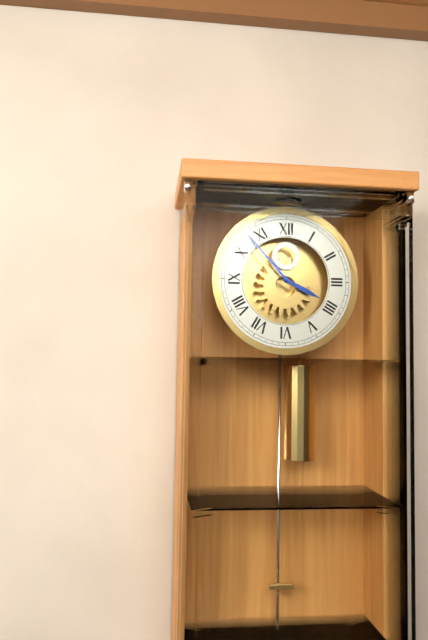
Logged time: 3.53
